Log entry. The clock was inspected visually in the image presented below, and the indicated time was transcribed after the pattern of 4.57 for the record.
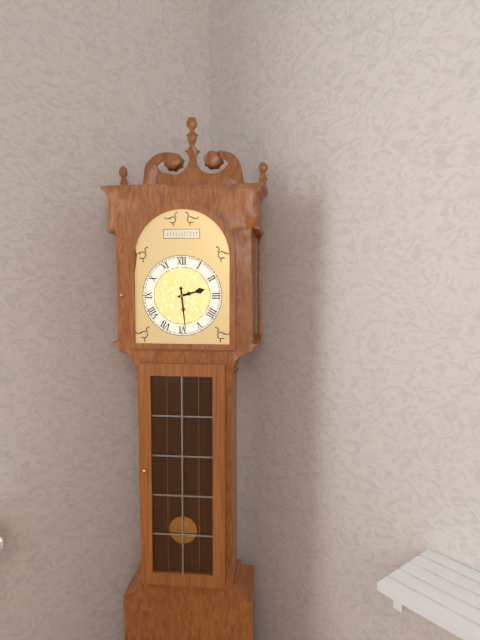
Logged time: 2.29
